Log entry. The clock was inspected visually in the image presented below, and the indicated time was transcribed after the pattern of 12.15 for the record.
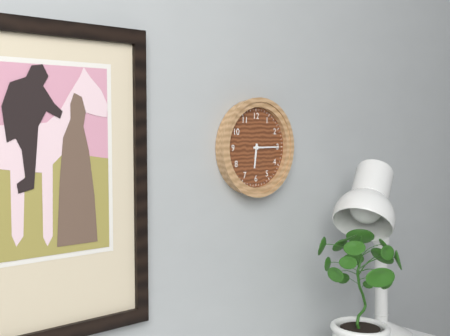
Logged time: 6.15
